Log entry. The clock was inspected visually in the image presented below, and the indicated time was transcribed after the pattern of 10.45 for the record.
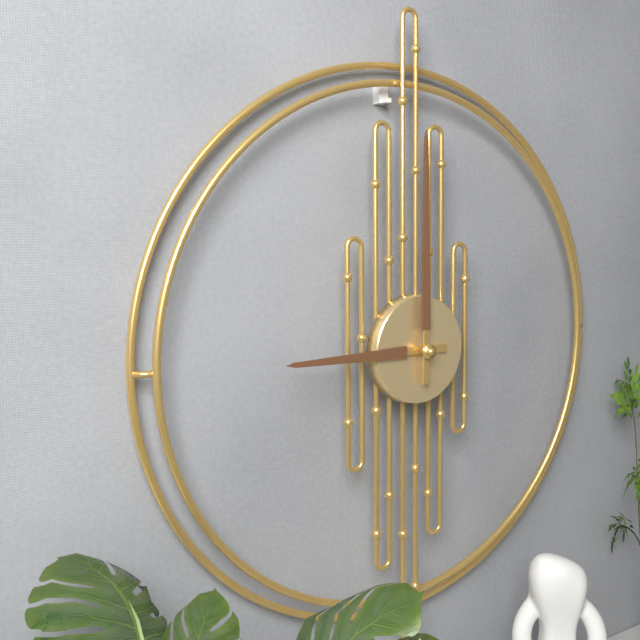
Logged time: 9.00
